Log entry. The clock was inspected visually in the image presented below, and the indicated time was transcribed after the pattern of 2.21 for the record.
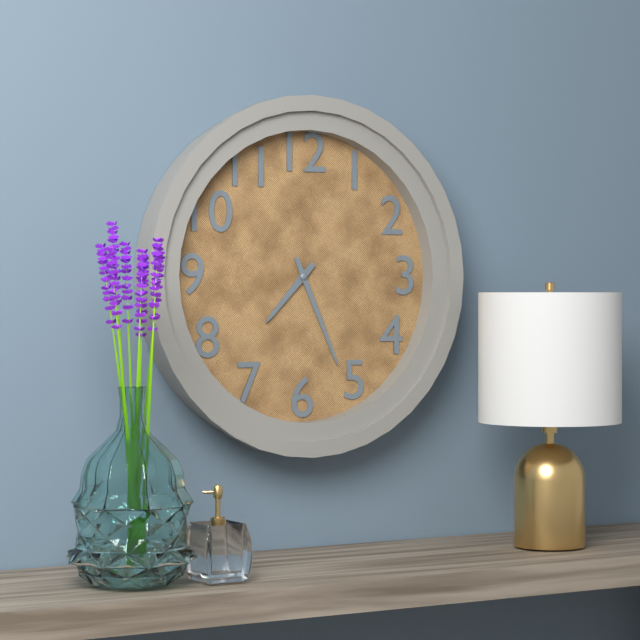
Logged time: 7.26
